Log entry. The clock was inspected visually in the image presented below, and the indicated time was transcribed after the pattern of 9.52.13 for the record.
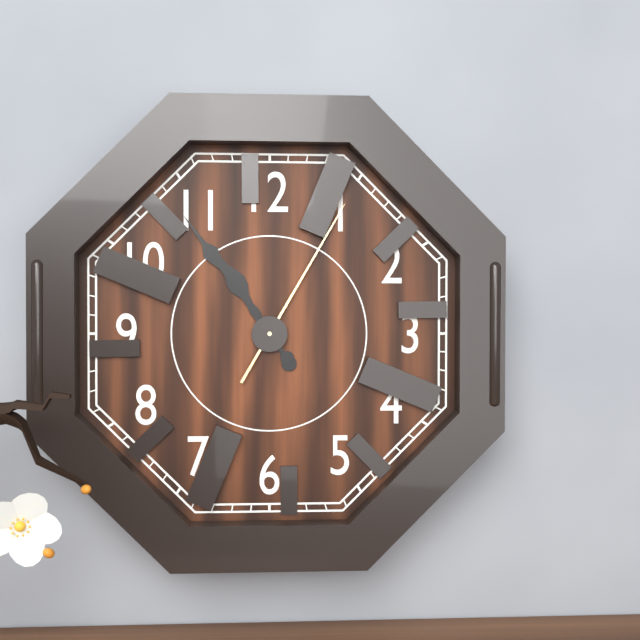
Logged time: 10.54.05
